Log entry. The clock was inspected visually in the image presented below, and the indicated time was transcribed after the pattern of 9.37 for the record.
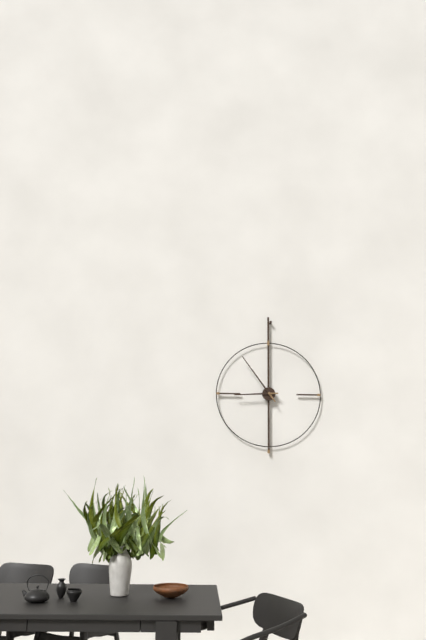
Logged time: 8.54
